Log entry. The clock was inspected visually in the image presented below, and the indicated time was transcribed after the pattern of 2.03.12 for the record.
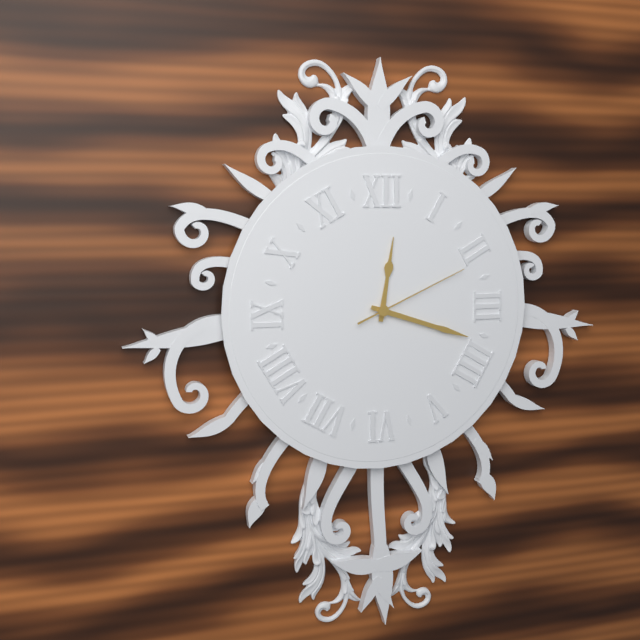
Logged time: 12.18.11
